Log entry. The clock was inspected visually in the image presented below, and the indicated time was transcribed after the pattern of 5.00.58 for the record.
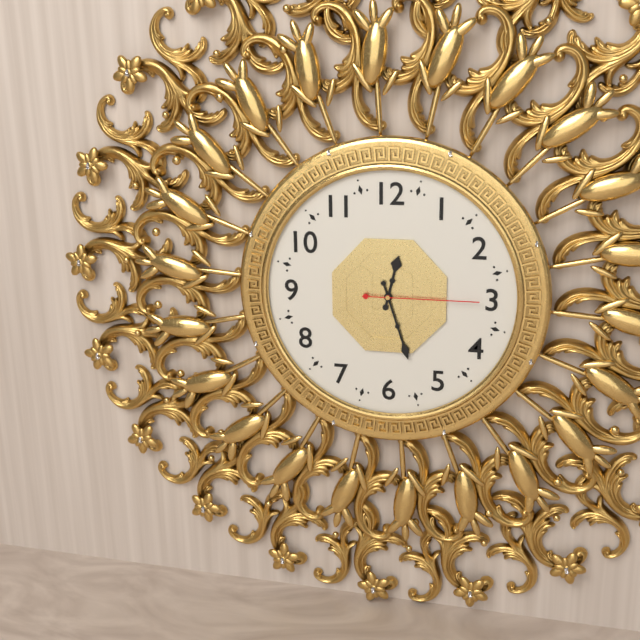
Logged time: 12.27.15
